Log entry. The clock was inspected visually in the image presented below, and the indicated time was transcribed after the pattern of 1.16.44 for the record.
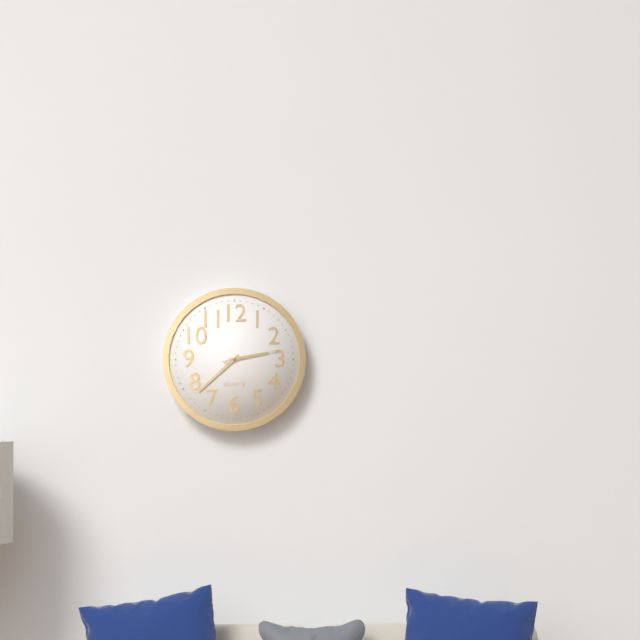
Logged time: 2.38.13
